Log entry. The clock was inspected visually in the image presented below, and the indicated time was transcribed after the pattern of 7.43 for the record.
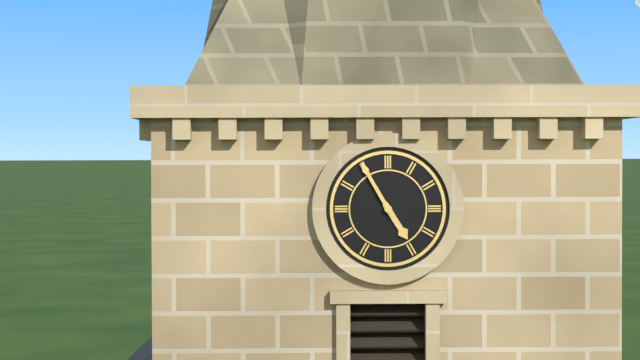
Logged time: 4.55
